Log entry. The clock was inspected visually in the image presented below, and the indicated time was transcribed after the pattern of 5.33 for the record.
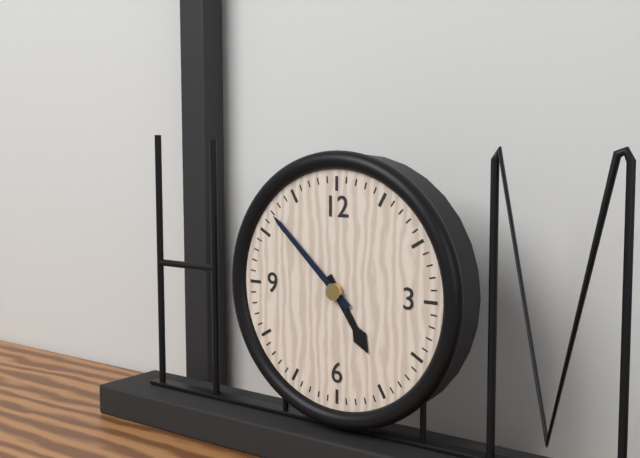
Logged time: 4.52
